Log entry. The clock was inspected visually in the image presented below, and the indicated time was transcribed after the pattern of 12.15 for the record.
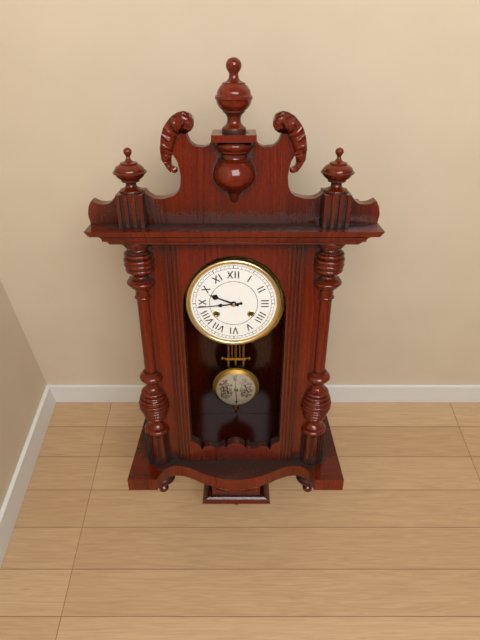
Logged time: 9.44
